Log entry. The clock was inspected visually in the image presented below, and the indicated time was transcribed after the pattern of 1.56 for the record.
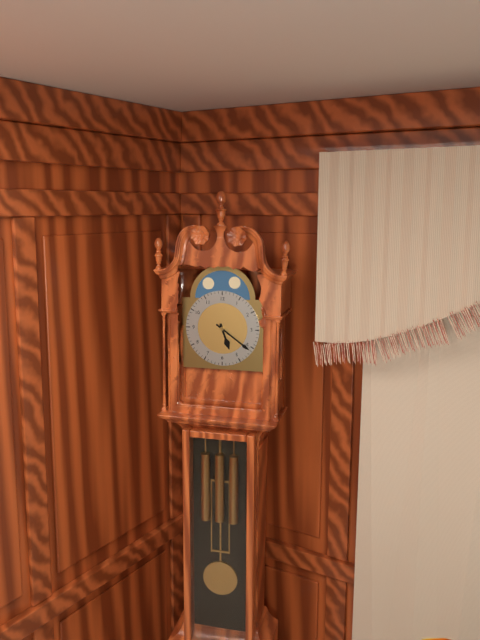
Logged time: 5.21
